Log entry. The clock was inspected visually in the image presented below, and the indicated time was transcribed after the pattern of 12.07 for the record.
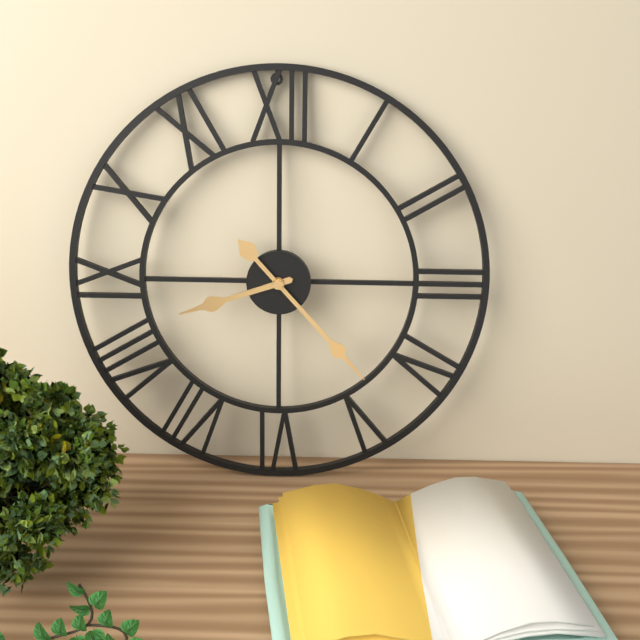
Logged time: 8.23
